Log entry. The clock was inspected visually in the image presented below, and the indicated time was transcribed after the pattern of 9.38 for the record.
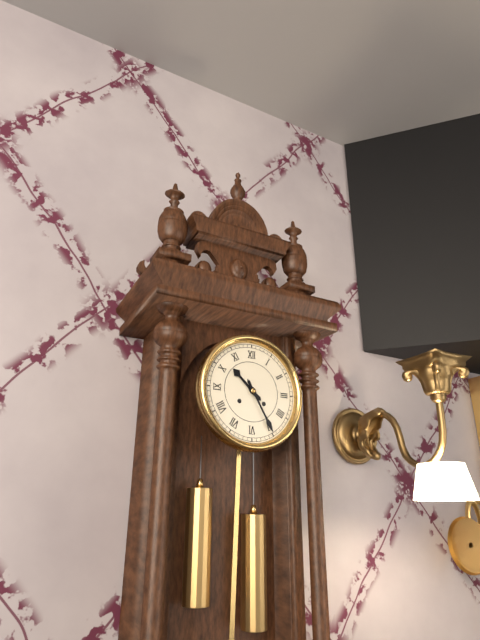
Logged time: 10.25
